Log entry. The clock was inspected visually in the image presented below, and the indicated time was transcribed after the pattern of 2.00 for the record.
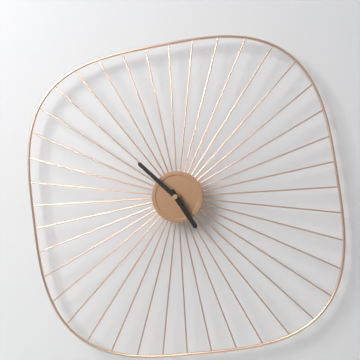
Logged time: 4.52
